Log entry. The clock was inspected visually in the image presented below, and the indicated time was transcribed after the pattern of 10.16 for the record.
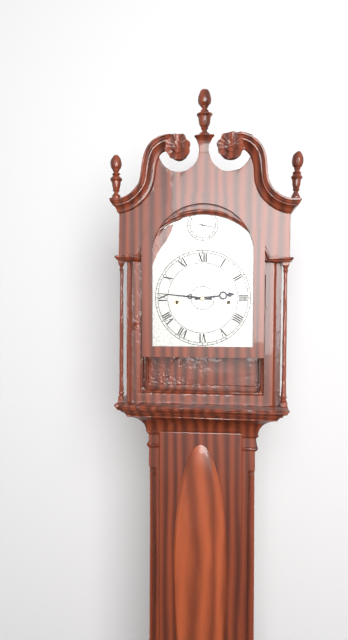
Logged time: 2.46
